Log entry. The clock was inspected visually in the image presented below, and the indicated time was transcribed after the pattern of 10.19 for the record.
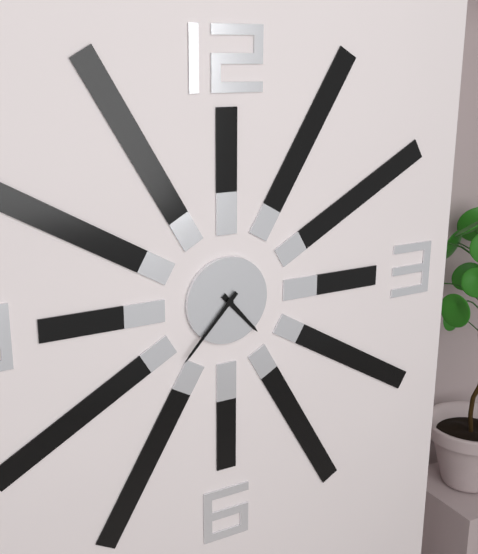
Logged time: 4.37
